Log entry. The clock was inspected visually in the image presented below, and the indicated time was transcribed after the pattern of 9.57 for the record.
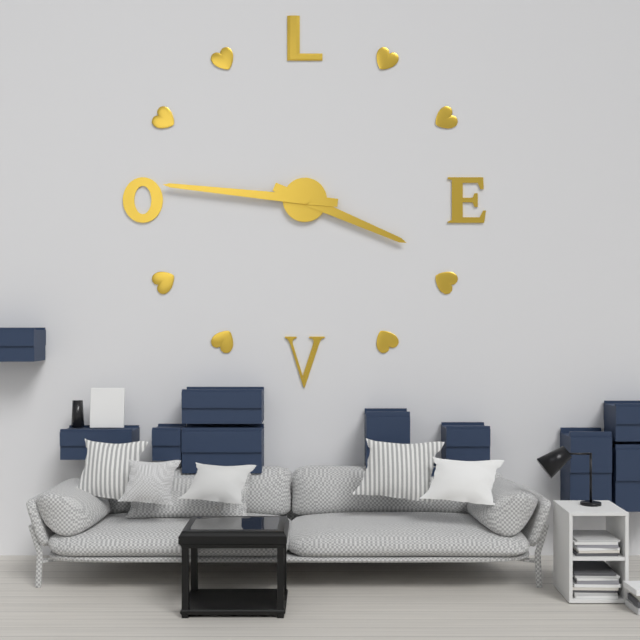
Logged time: 3.46
